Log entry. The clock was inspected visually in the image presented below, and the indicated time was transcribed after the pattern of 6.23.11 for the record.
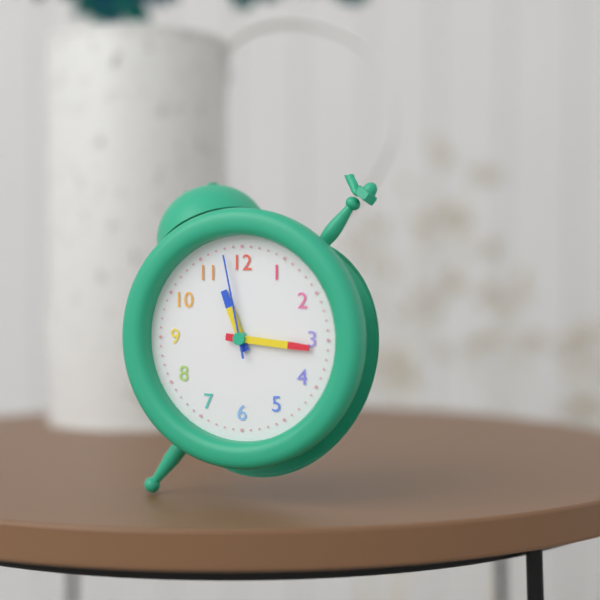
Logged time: 11.16.58
